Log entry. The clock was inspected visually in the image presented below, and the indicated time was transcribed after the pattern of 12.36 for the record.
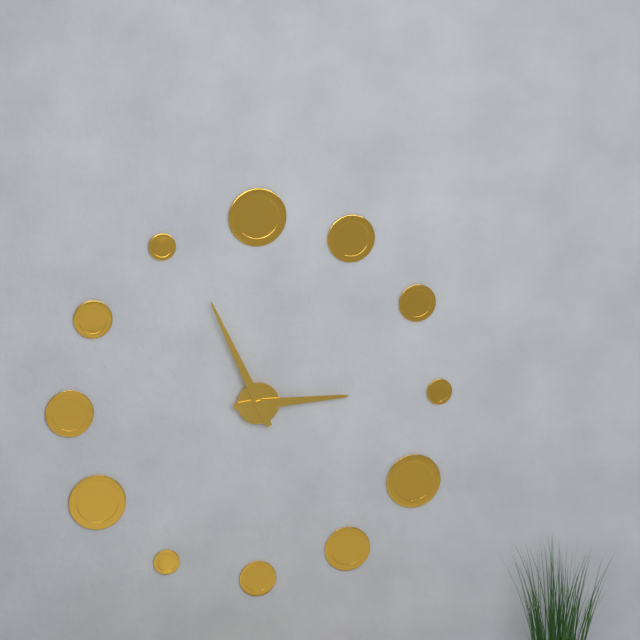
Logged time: 2.56
